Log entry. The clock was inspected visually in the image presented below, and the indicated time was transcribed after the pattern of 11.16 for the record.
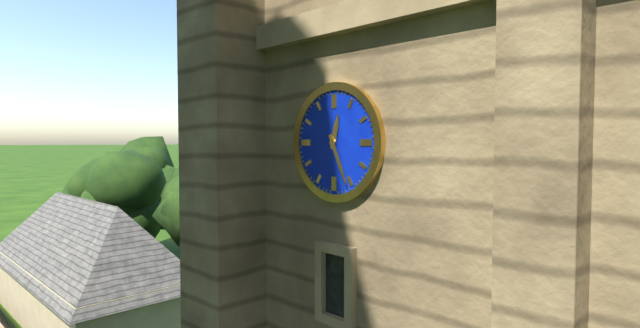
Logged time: 12.26
